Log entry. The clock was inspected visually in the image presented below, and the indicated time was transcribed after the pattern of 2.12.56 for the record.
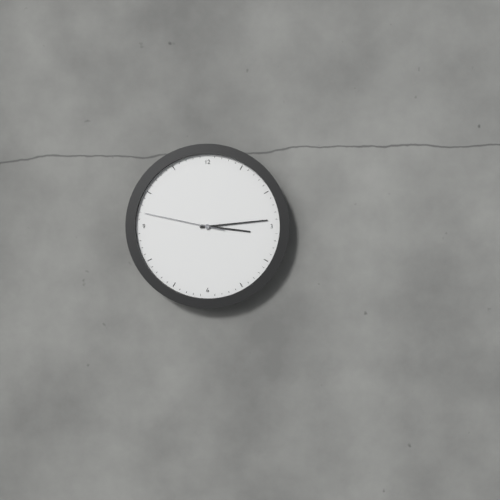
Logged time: 3.14.47
